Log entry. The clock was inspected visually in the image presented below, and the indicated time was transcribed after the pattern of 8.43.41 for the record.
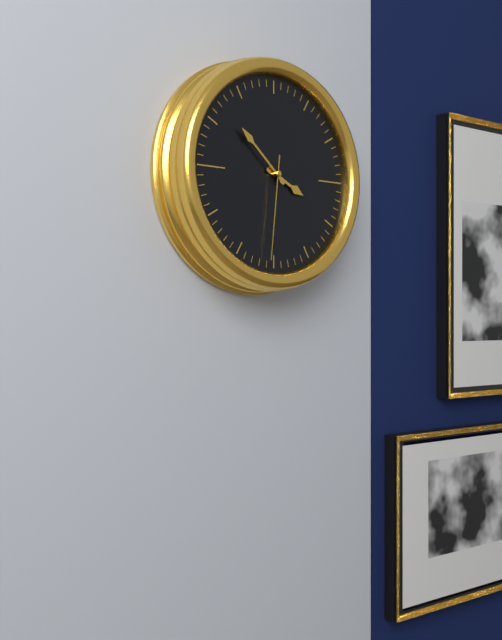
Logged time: 3.52.31
